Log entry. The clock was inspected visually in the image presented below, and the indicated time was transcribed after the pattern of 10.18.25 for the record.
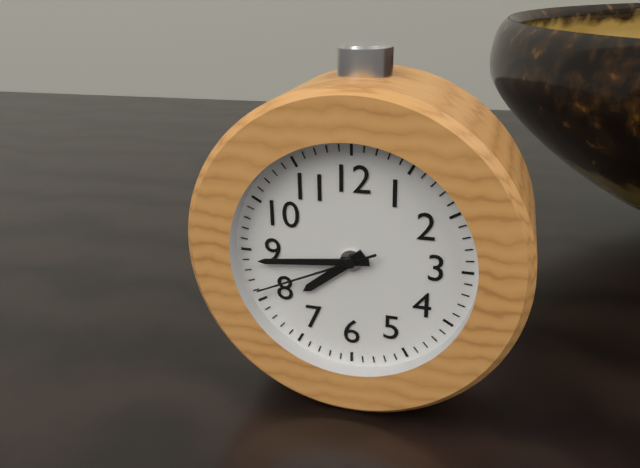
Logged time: 7.44.41
